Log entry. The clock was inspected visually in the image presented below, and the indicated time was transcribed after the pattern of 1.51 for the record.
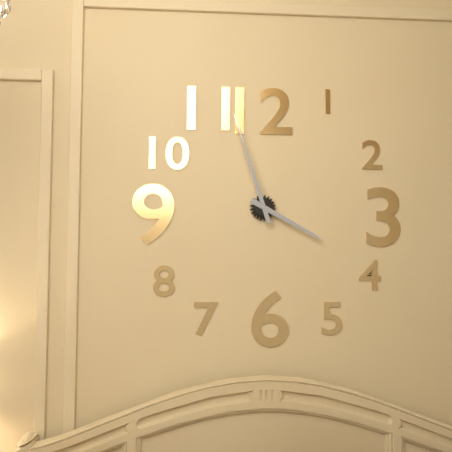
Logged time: 3.57
